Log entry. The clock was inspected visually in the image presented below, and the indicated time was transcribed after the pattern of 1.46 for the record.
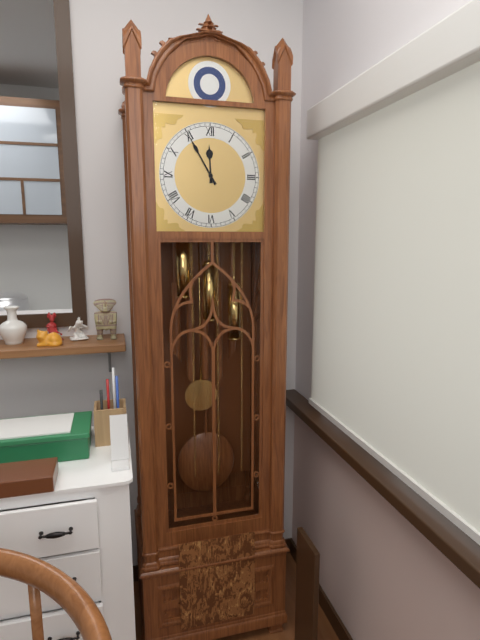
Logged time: 11.55
